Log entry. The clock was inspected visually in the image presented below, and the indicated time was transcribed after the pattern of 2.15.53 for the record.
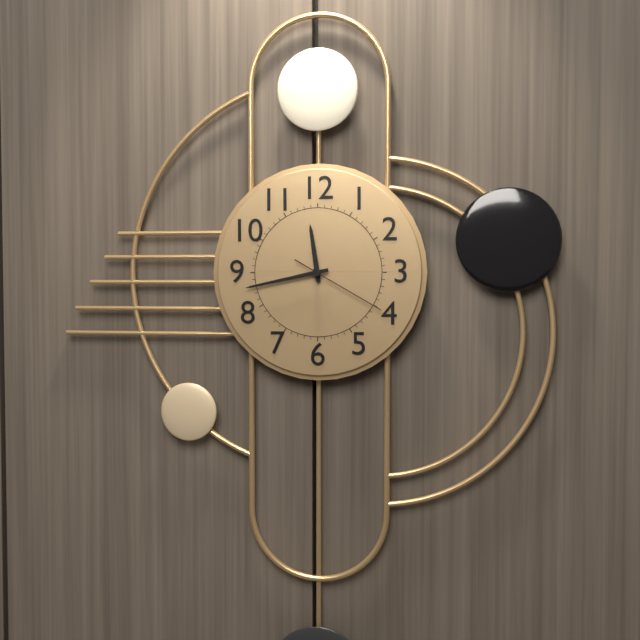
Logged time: 11.43.20
